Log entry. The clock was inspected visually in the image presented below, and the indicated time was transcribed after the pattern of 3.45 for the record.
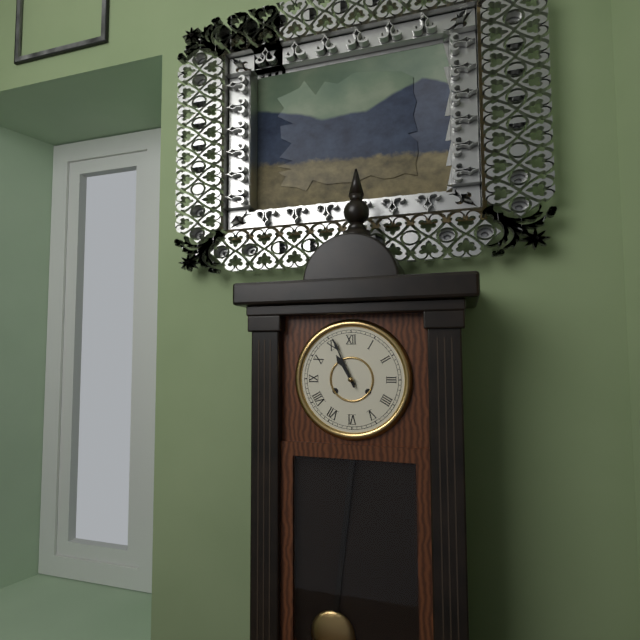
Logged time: 10.56
